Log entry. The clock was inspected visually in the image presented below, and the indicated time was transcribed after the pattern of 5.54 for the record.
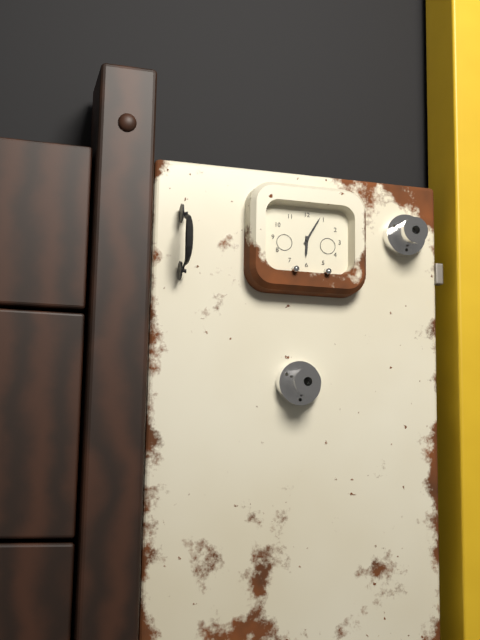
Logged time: 6.05
